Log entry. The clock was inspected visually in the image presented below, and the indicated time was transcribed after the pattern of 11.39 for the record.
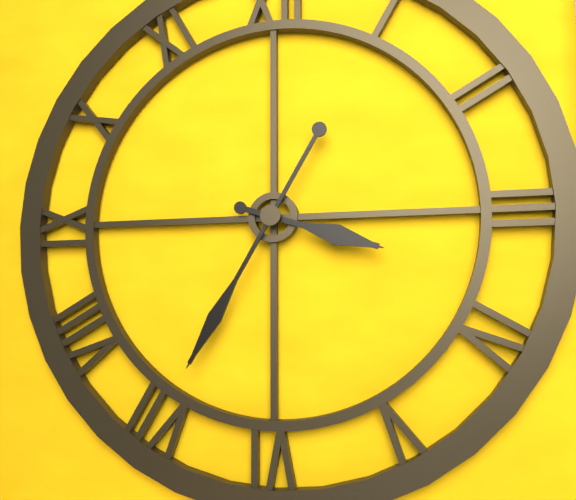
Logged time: 3.35
